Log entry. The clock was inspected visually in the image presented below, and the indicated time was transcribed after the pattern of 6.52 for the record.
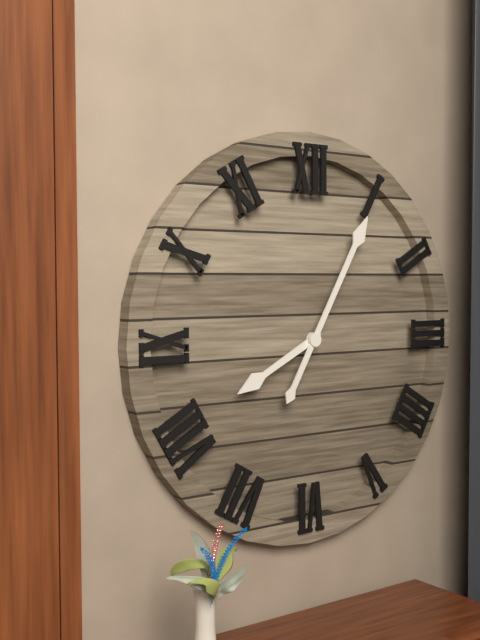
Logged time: 8.05
